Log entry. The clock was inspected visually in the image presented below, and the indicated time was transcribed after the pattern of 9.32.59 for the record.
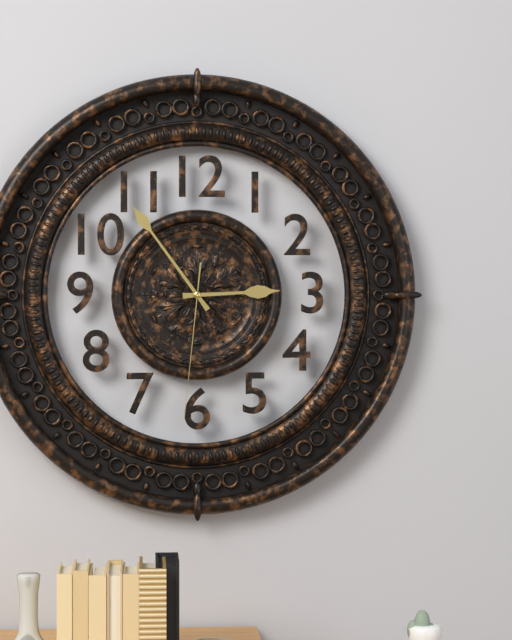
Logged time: 2.54.31
